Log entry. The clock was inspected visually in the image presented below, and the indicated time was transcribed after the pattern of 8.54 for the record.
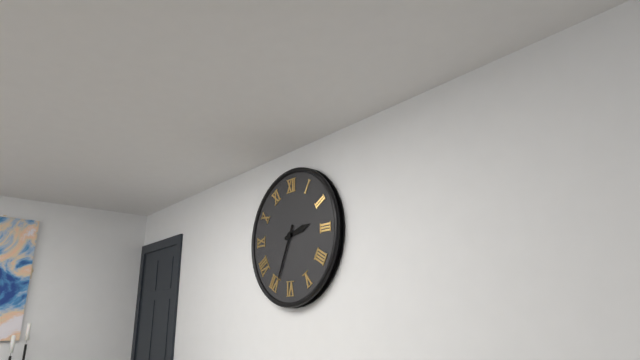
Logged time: 2.34
